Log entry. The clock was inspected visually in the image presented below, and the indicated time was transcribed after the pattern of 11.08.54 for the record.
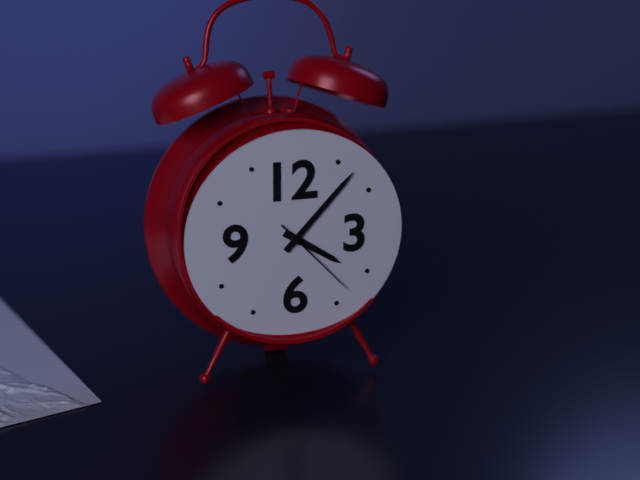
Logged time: 4.07.23
